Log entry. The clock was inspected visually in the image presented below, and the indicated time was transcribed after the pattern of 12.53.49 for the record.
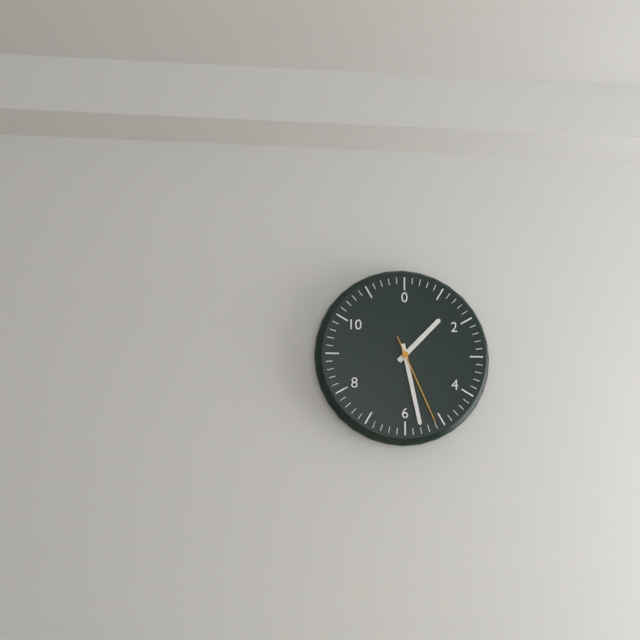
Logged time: 1.28.26
